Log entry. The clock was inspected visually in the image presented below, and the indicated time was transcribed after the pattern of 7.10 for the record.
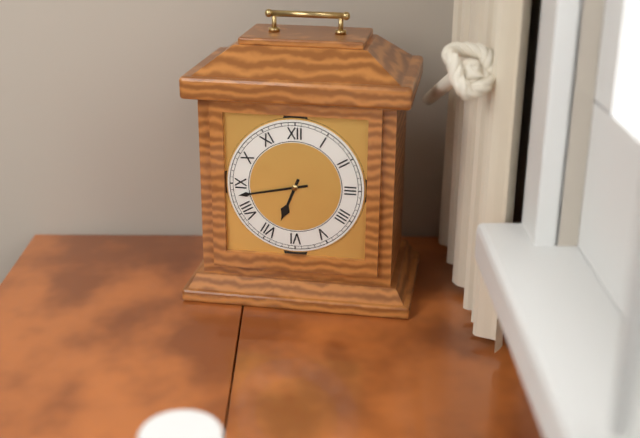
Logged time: 6.43
